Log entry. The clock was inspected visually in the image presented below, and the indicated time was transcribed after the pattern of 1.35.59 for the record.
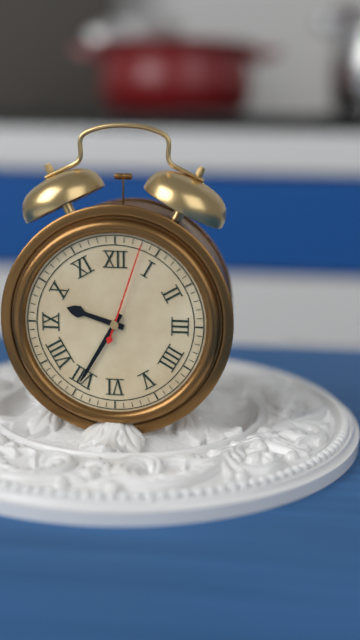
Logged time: 9.35.03
